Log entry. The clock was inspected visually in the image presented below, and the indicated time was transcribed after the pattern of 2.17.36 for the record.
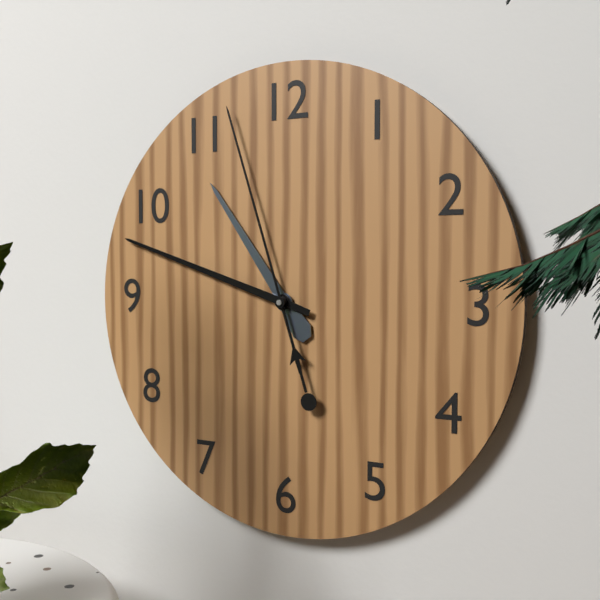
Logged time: 10.48.57
